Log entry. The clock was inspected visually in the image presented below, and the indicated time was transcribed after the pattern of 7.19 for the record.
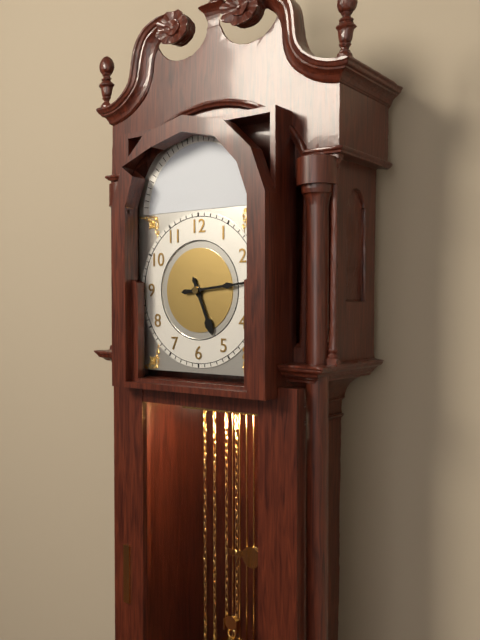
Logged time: 5.14
